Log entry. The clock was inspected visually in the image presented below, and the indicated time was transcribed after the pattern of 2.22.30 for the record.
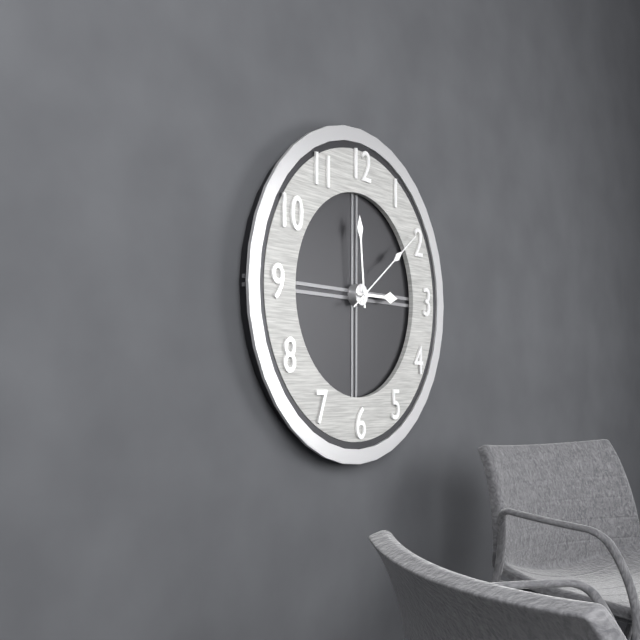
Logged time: 2.59.09
